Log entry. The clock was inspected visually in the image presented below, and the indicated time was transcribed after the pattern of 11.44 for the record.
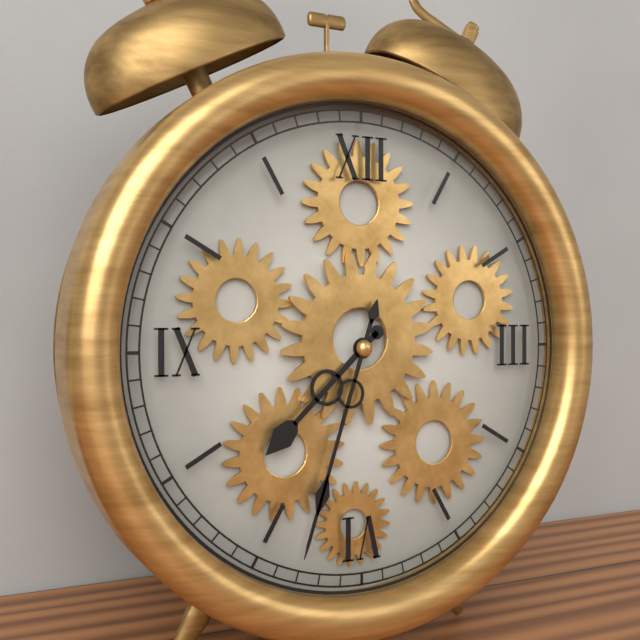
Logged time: 7.33
